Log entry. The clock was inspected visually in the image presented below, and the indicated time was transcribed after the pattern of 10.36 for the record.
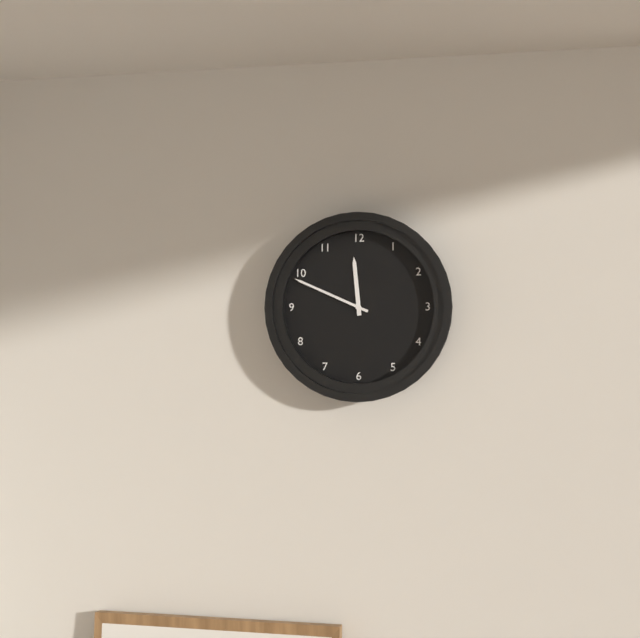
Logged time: 11.49
